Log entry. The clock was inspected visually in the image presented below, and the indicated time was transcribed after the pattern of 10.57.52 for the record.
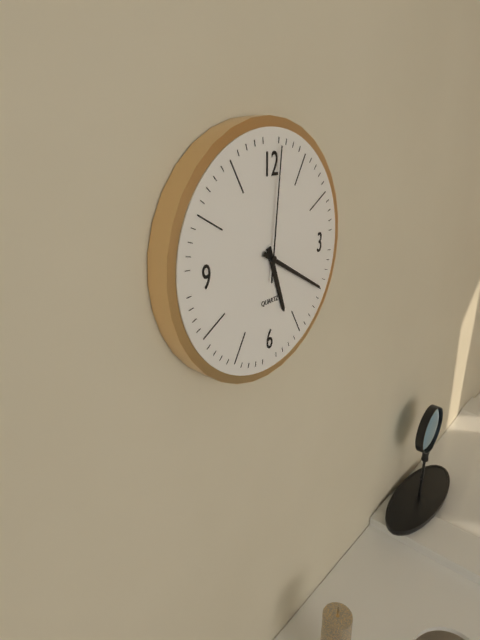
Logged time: 5.20.01
